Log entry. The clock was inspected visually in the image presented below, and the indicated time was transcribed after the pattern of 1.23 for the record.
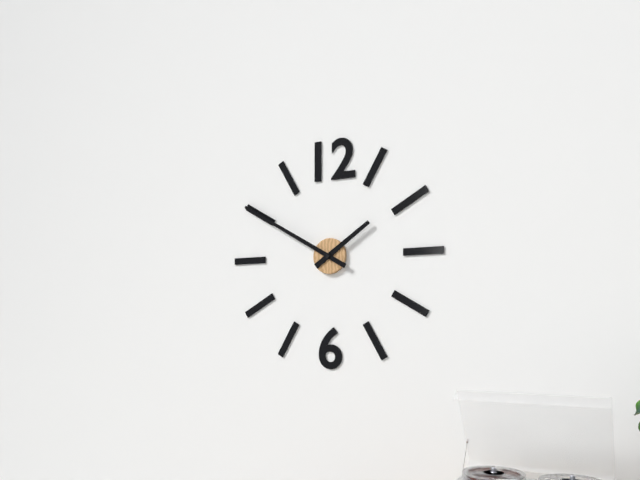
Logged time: 1.50
